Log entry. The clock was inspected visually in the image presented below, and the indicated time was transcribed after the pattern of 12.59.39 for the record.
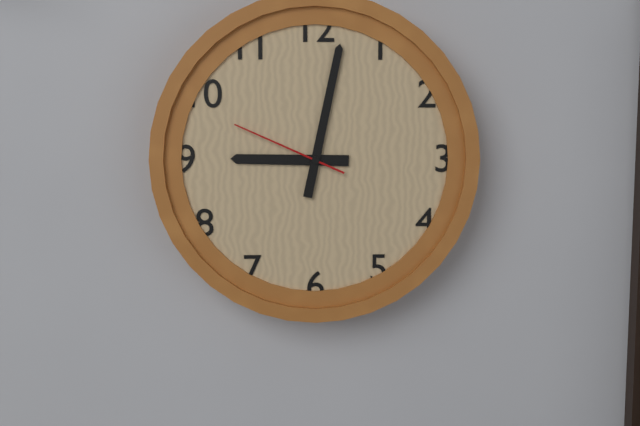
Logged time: 9.02.49
